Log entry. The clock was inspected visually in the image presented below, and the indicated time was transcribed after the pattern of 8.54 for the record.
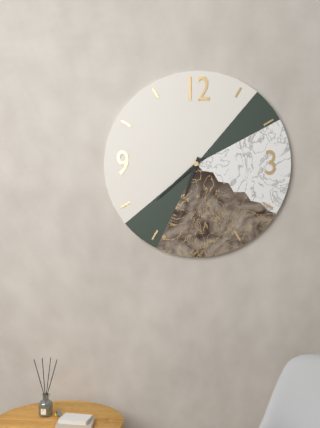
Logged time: 6.38
